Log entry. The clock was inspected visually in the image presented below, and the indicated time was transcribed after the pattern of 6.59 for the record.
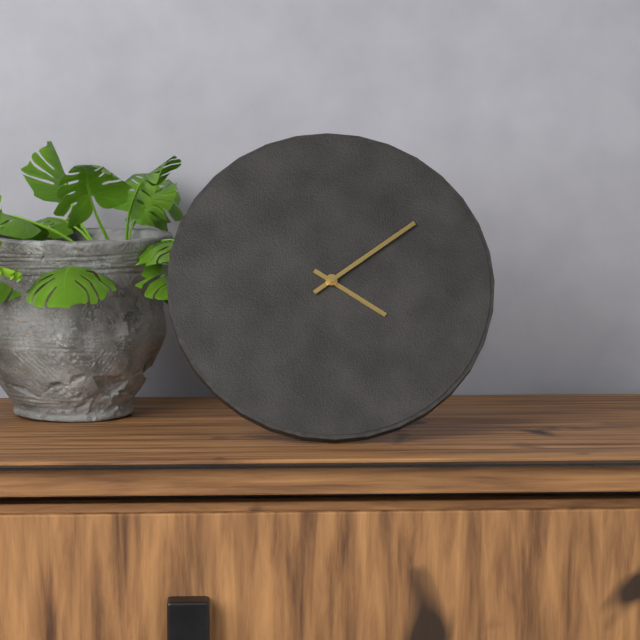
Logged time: 4.09
